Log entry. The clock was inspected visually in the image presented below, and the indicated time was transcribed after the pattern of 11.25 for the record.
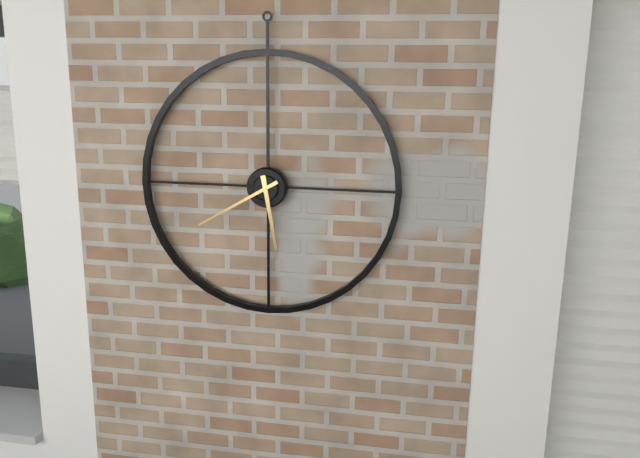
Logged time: 5.40
